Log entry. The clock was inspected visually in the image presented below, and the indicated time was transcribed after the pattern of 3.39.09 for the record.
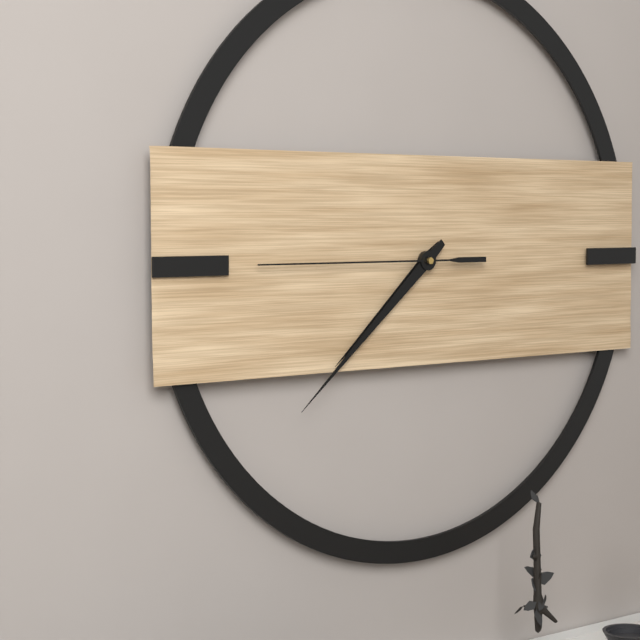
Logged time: 7.38.45
